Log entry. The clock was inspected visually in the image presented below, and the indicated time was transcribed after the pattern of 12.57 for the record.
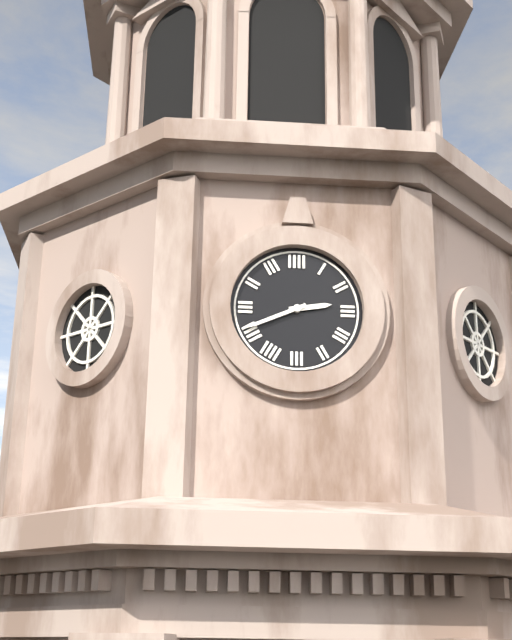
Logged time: 2.41
